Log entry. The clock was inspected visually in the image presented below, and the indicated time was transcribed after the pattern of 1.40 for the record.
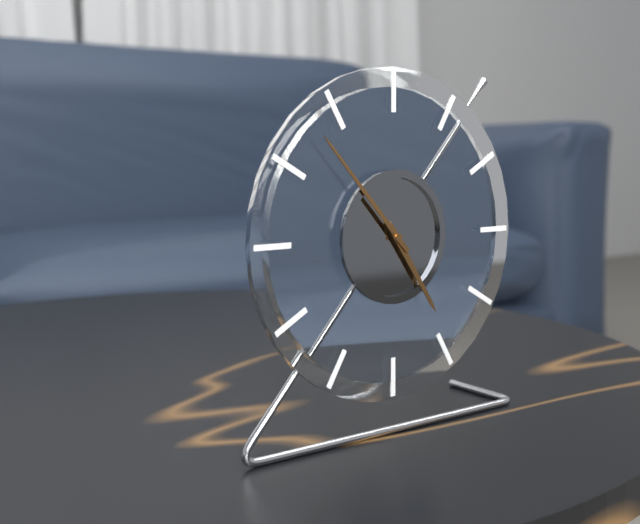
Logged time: 4.53
